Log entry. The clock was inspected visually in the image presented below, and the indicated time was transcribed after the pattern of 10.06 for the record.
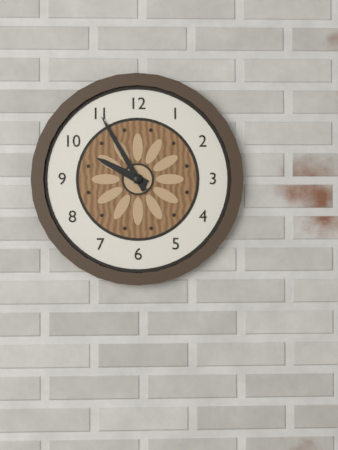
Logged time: 9.55
